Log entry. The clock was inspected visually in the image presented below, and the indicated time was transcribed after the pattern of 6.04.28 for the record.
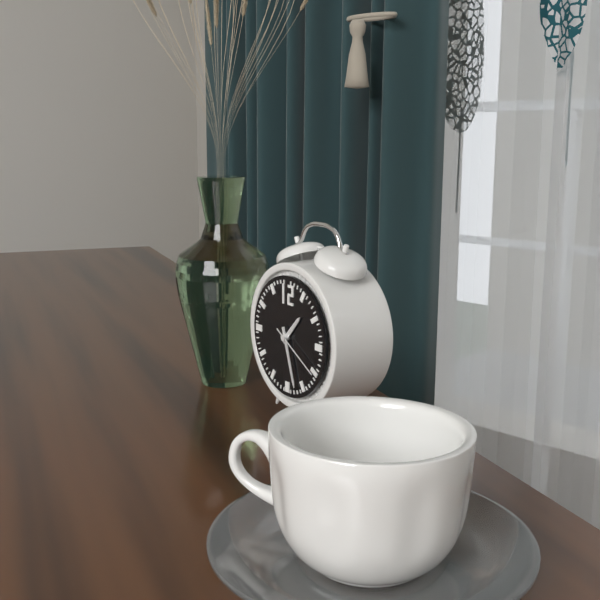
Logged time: 1.27.20
